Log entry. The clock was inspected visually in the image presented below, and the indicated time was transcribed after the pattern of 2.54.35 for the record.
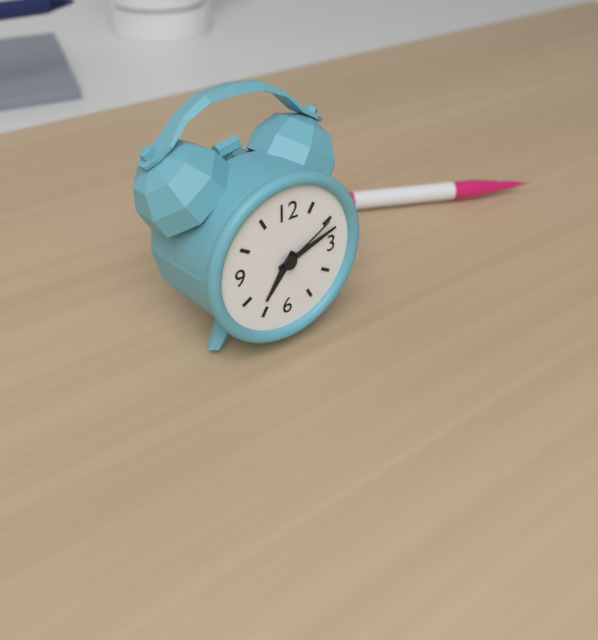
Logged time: 7.12.10
